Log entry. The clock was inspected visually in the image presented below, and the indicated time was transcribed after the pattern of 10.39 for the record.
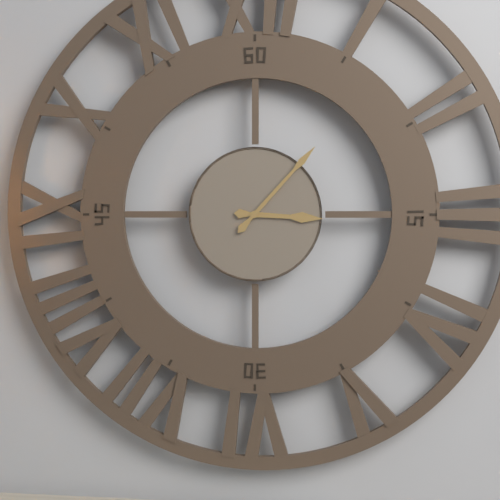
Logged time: 3.07
